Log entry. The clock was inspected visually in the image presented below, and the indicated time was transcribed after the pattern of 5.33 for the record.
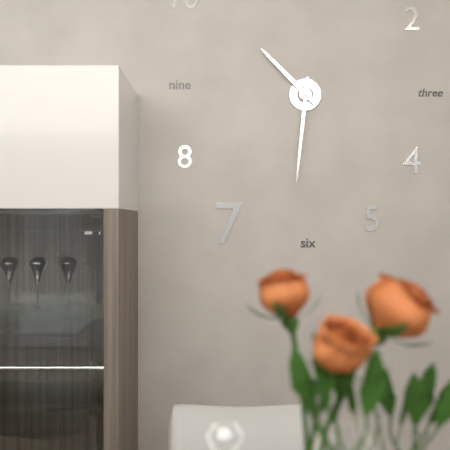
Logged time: 10.31
